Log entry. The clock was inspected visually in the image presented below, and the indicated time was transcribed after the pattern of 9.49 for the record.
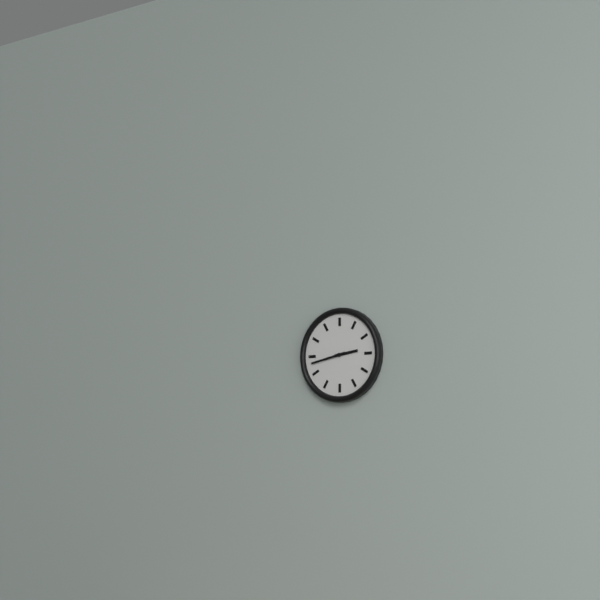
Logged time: 2.43
